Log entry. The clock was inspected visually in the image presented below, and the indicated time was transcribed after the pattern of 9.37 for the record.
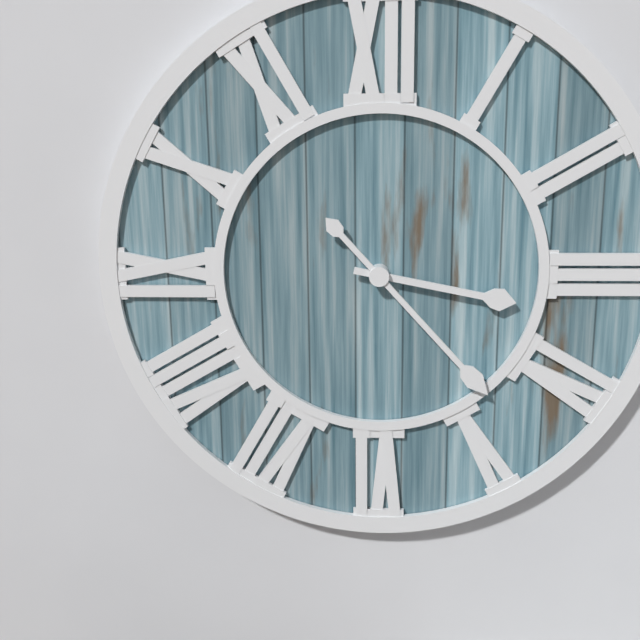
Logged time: 3.23
